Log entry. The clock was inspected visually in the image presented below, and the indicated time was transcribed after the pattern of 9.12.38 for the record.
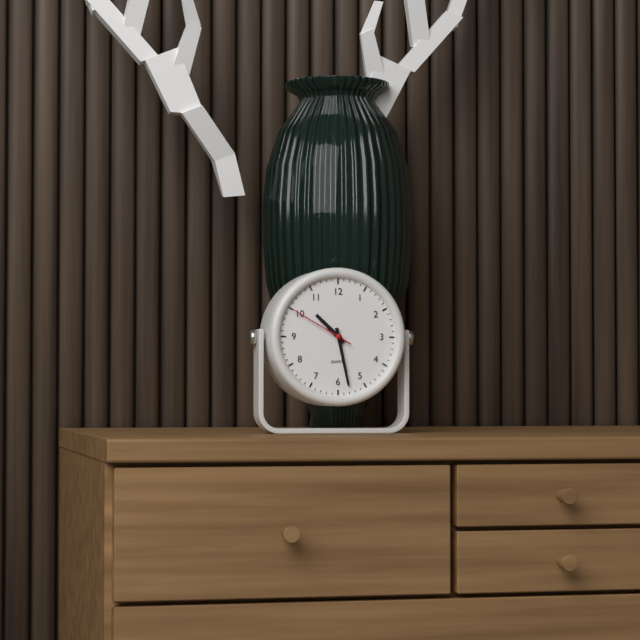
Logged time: 10.28.50
